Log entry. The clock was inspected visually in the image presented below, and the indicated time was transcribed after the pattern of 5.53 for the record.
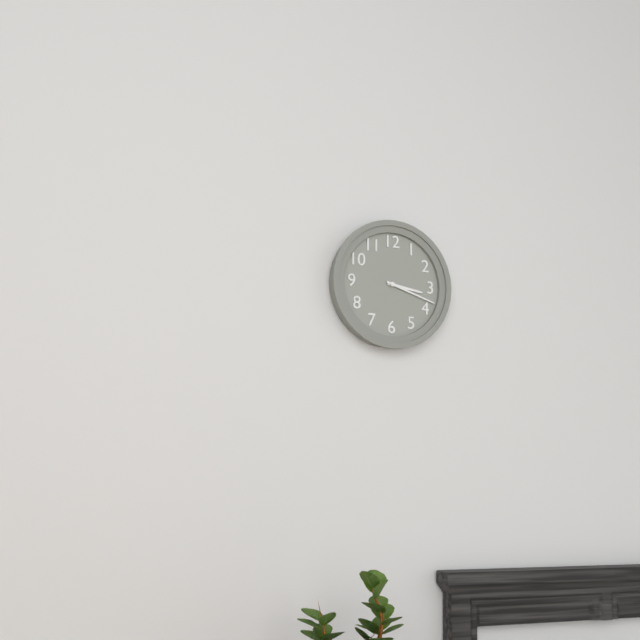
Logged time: 3.18
